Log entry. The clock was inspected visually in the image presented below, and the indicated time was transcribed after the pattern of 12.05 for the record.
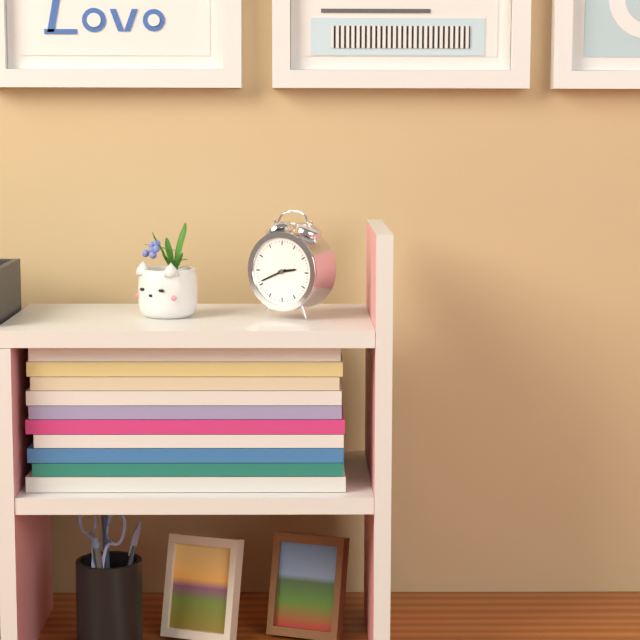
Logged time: 2.41
